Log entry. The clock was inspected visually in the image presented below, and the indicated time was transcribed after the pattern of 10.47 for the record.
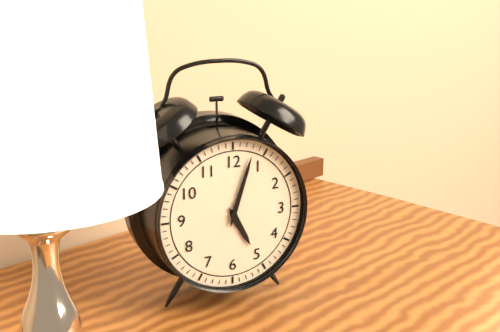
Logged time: 5.03
